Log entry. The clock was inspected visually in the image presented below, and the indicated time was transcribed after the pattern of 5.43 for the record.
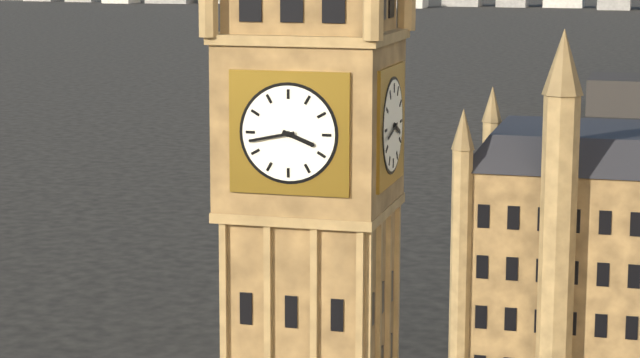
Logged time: 3.43
